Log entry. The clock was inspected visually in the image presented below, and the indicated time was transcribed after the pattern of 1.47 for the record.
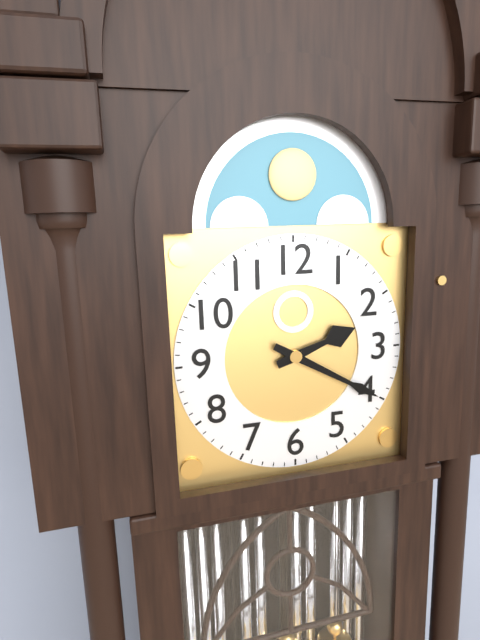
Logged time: 2.20
